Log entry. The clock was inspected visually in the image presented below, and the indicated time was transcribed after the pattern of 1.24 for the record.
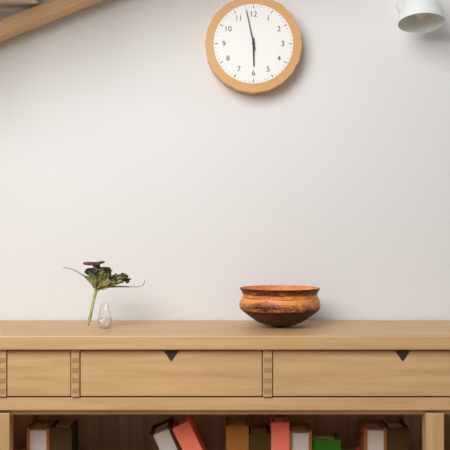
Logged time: 5.58
